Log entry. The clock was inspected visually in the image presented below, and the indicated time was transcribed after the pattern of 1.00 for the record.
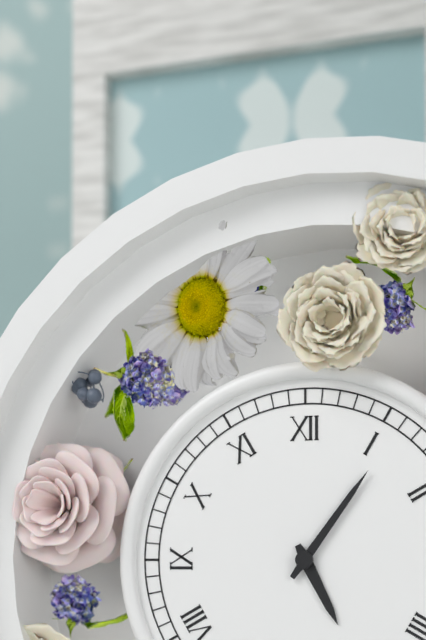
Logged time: 5.06
